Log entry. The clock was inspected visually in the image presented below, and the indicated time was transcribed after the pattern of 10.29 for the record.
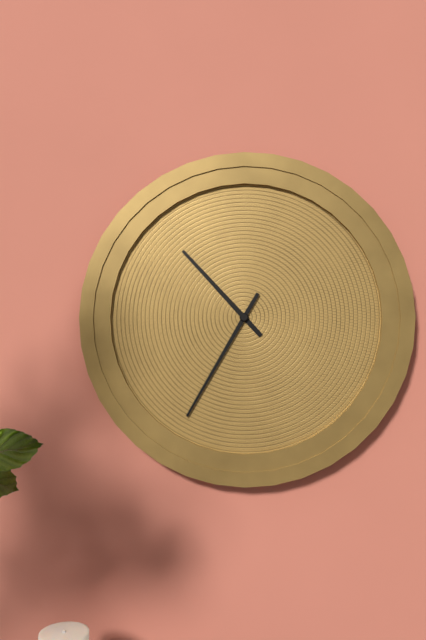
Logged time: 10.35
